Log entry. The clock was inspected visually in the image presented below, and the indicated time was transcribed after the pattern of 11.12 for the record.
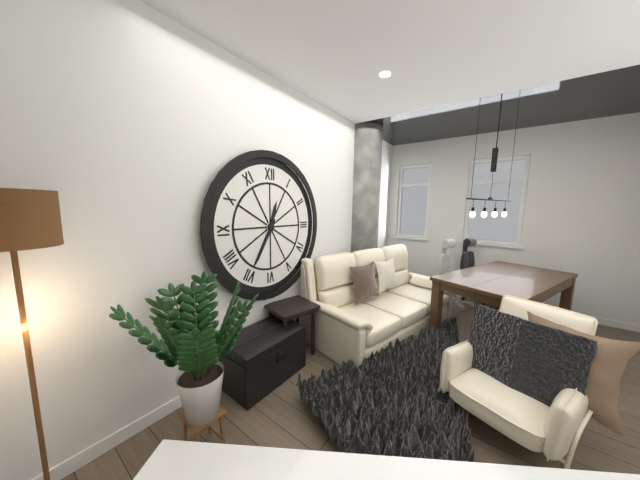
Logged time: 12.35
